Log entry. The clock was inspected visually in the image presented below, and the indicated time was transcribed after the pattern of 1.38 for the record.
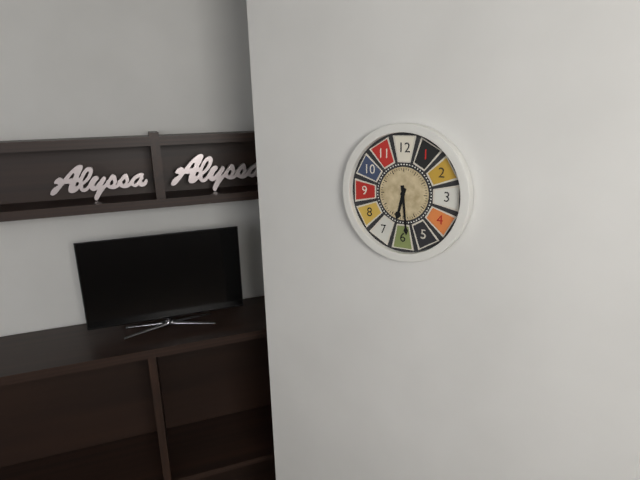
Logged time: 6.29
